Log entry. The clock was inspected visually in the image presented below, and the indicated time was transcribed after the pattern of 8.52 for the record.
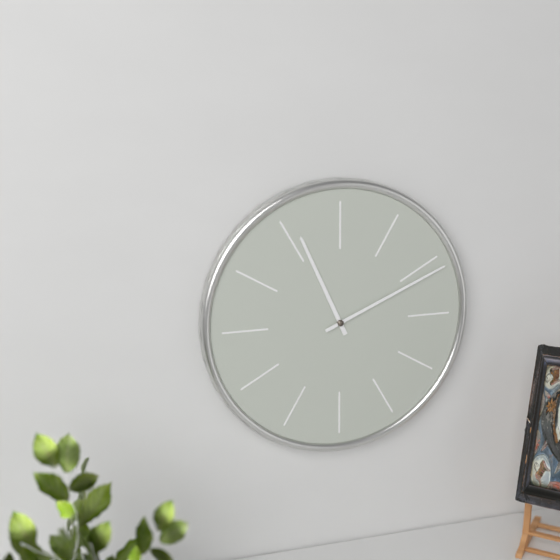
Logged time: 11.11
